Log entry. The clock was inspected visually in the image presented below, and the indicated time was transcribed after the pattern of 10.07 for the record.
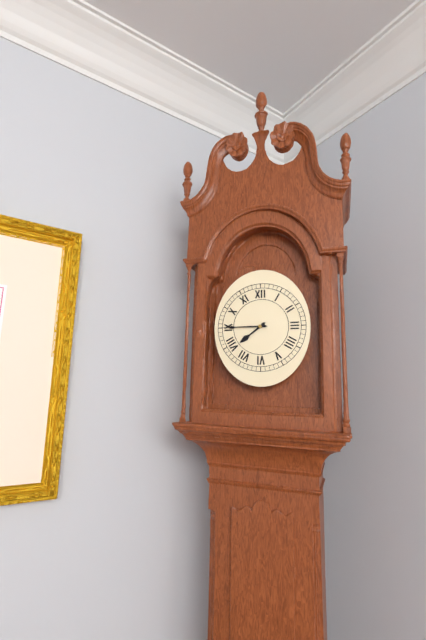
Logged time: 7.45
